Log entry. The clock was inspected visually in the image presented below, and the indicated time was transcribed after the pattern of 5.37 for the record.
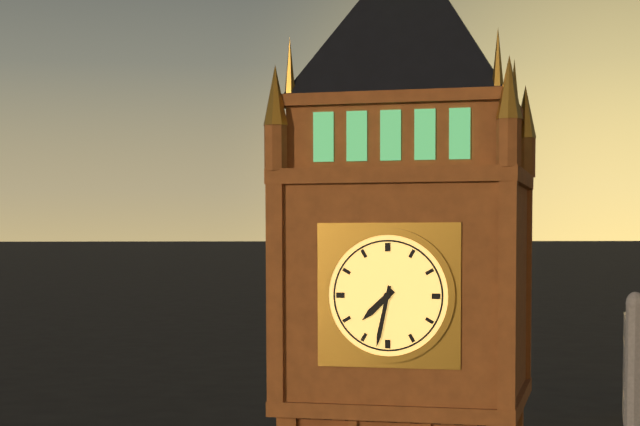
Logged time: 7.32
